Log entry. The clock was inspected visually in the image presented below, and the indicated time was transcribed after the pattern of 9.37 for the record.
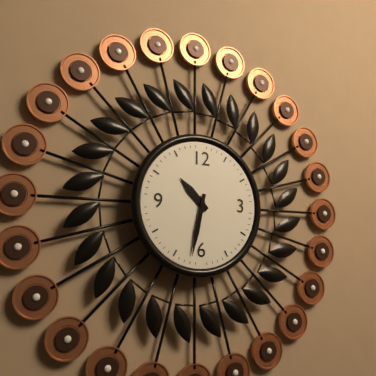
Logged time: 10.32
